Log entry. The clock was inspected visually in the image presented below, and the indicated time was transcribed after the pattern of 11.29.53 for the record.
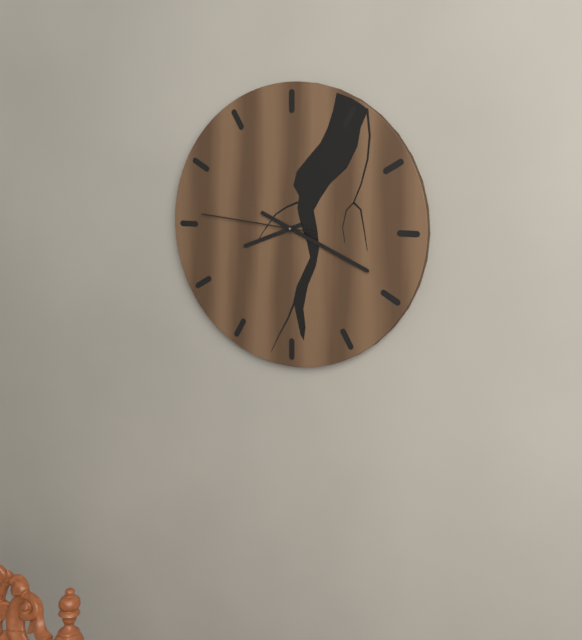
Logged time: 8.19.46
